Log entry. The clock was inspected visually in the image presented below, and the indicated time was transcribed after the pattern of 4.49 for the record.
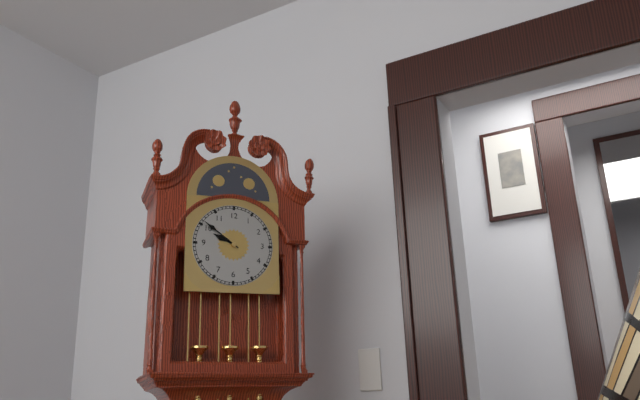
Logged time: 9.51
